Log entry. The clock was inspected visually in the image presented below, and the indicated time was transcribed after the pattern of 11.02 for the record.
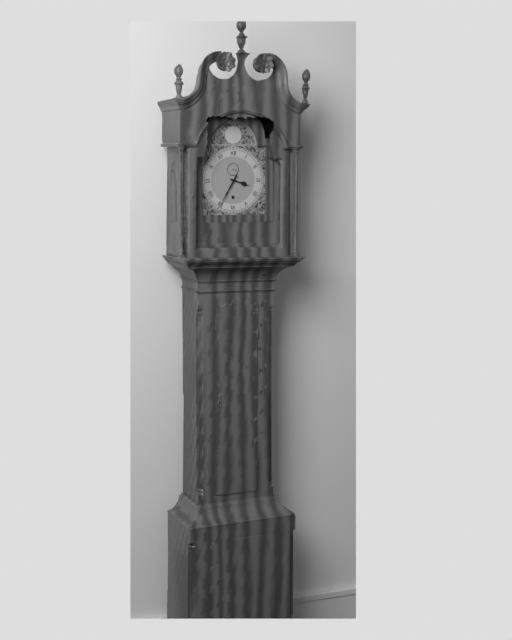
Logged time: 3.35
